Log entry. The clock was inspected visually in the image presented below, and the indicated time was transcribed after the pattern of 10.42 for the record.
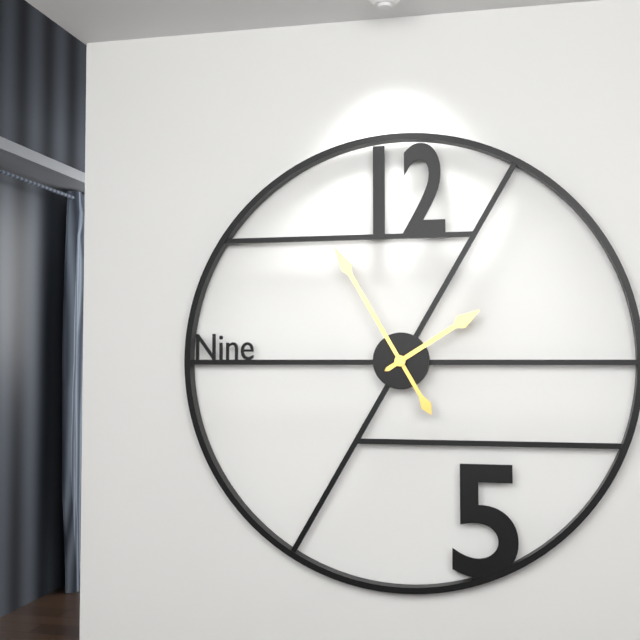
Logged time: 1.55
